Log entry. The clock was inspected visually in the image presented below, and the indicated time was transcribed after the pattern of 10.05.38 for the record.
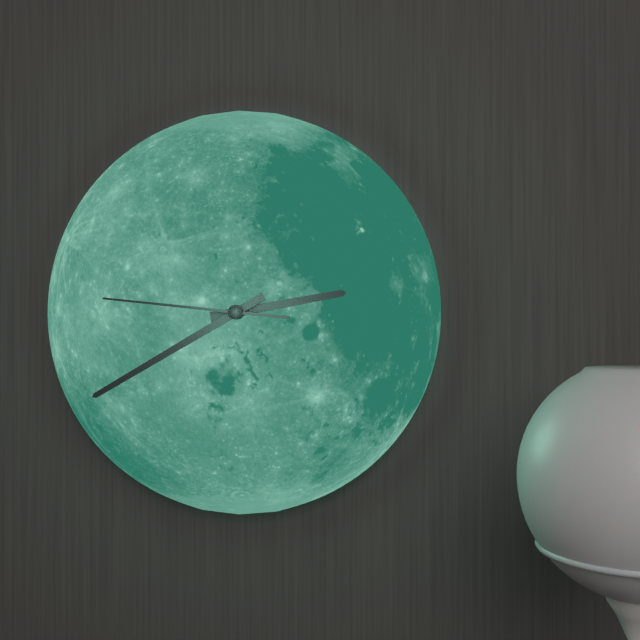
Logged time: 2.40.46
